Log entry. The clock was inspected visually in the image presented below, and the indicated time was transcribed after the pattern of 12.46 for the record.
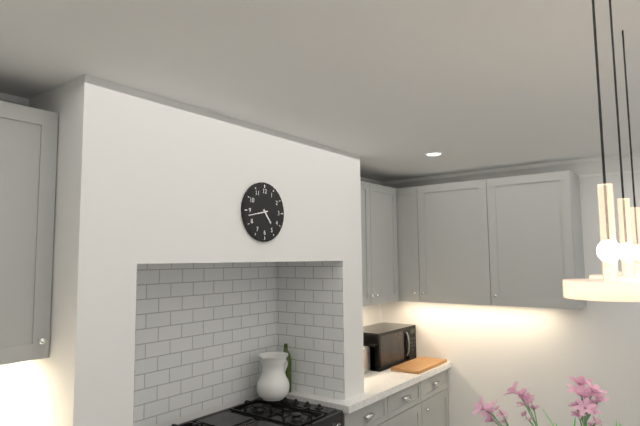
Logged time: 4.43
